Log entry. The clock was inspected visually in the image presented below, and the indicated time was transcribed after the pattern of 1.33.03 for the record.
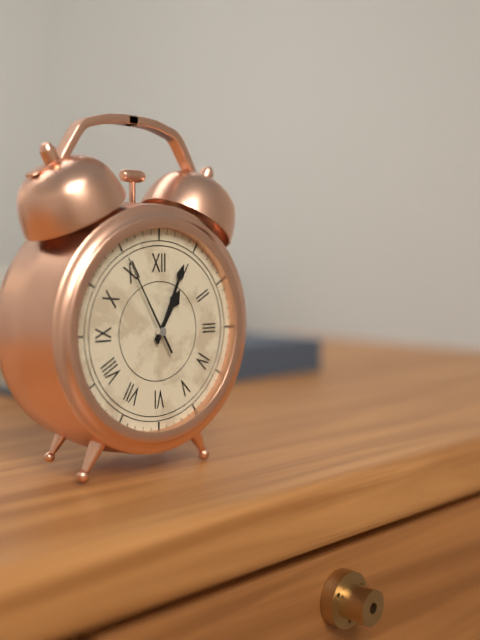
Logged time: 1.04.55
